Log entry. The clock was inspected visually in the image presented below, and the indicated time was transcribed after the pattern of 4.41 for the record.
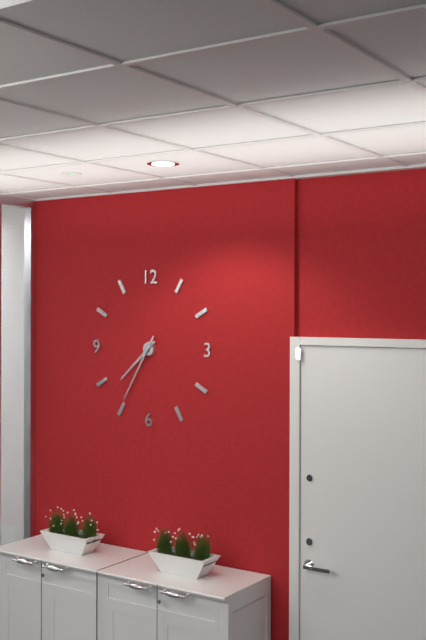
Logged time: 7.35
